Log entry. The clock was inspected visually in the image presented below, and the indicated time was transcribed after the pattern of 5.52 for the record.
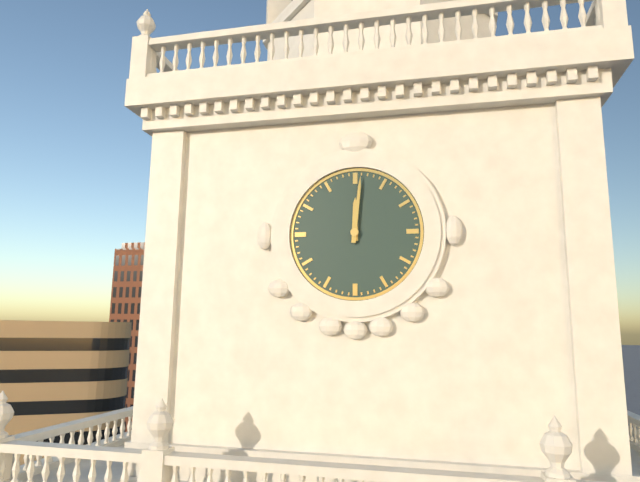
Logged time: 12.01
